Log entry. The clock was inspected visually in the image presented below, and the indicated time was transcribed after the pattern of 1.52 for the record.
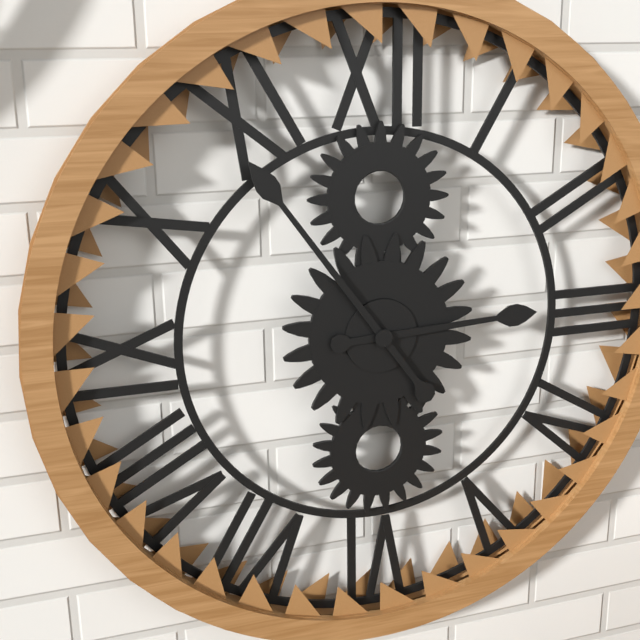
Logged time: 2.54
